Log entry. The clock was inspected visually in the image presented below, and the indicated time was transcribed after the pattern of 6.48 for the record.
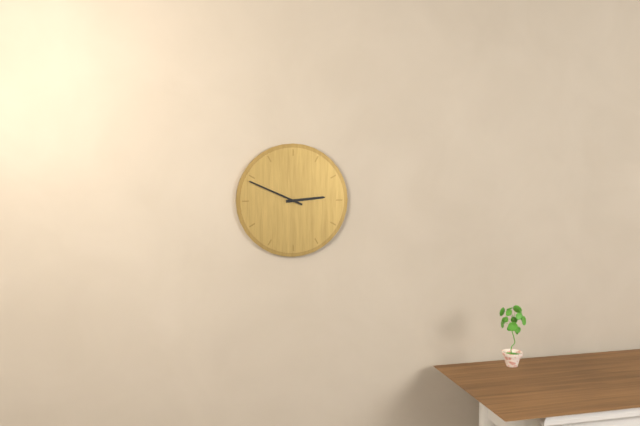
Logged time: 2.49
